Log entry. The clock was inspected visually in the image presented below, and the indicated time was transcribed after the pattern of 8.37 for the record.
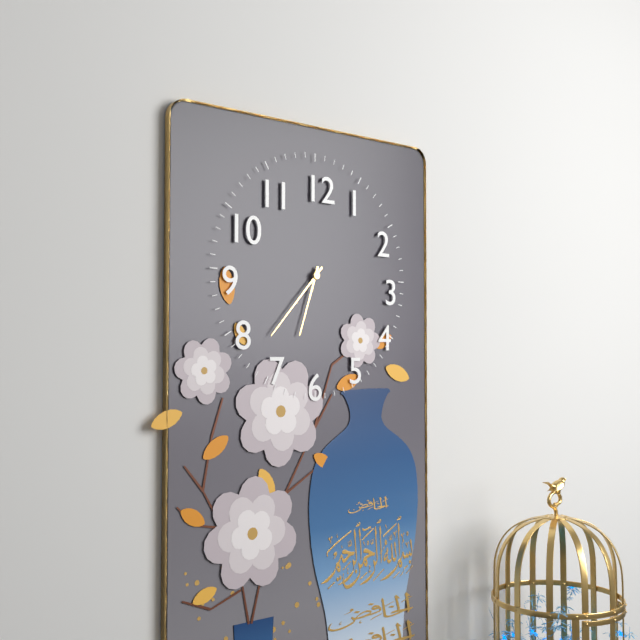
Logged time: 6.37
